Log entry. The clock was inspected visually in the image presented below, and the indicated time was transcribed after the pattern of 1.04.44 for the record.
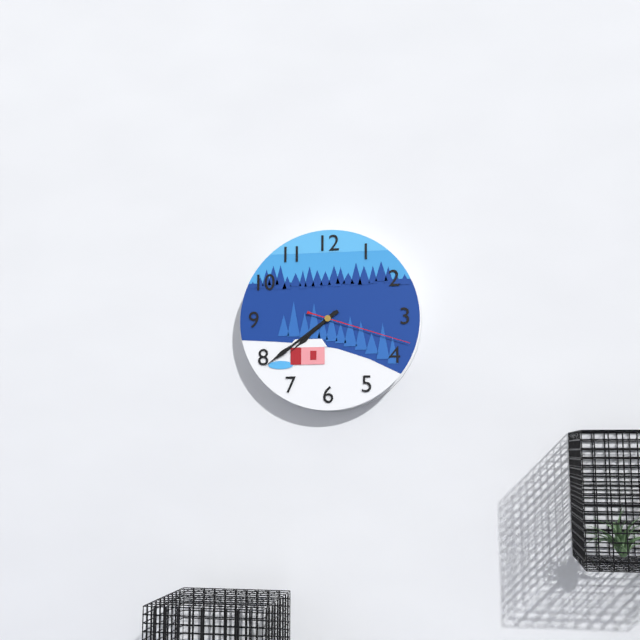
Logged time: 7.39.18
